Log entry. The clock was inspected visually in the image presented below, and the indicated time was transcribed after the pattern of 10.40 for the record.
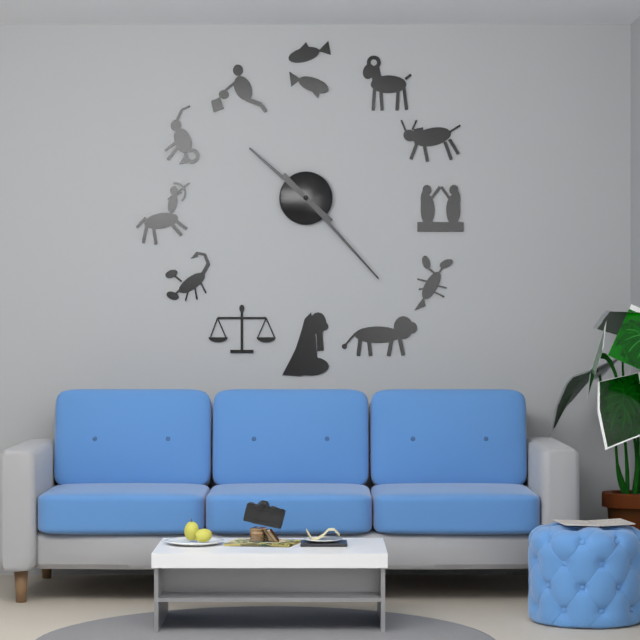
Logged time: 10.23
